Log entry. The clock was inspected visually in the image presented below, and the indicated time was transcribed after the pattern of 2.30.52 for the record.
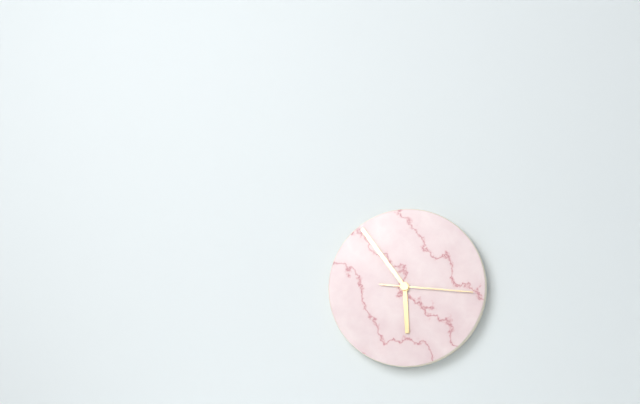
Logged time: 5.54.16
